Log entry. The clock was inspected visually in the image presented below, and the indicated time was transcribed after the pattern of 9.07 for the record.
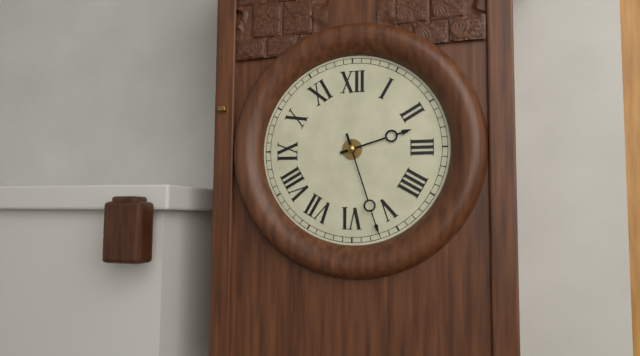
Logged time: 2.27
